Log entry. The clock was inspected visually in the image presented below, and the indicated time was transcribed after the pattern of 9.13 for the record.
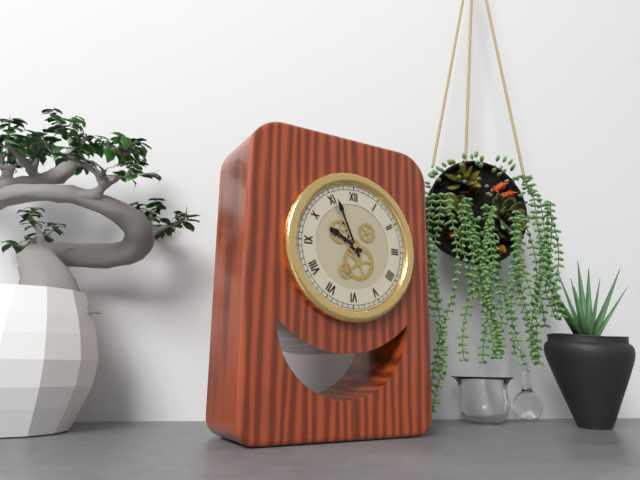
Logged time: 9.56
